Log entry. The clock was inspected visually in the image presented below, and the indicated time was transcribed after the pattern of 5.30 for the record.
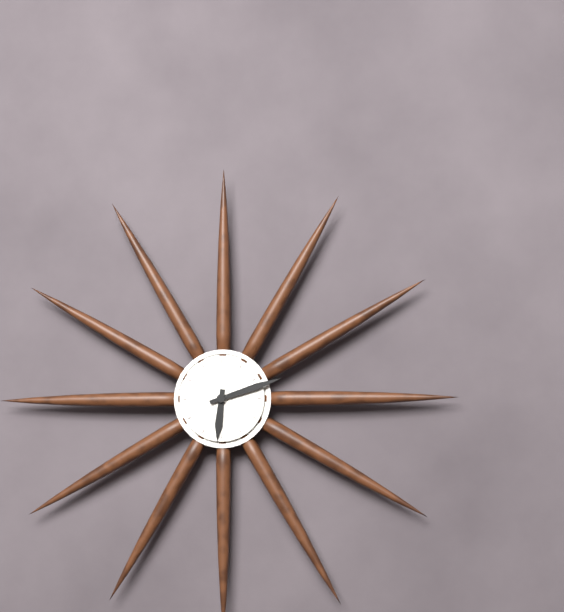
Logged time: 6.12
